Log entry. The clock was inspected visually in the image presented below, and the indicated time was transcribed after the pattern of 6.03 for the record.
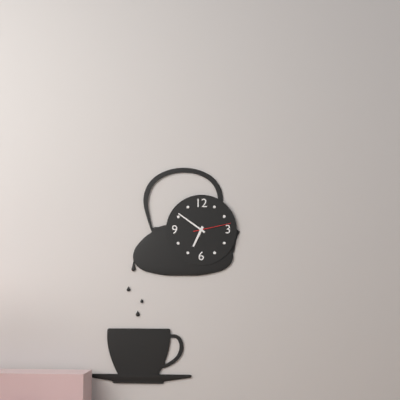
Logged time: 6.51
